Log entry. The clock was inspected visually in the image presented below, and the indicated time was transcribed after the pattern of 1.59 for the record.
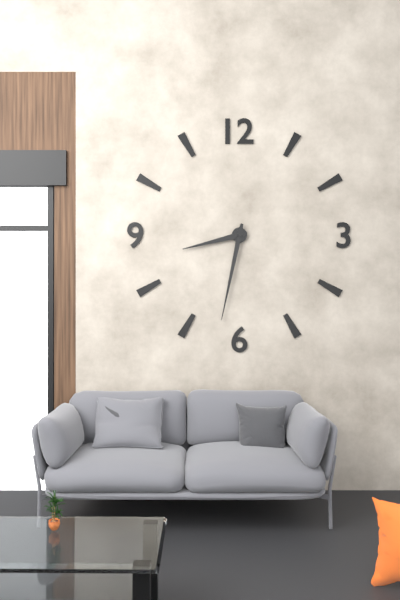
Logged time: 8.32
